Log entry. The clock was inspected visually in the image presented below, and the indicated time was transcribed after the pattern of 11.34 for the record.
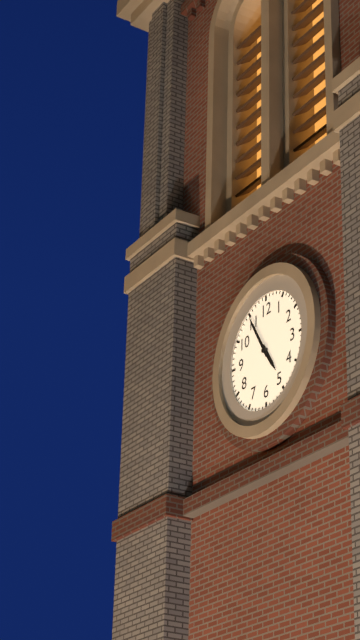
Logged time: 4.55
